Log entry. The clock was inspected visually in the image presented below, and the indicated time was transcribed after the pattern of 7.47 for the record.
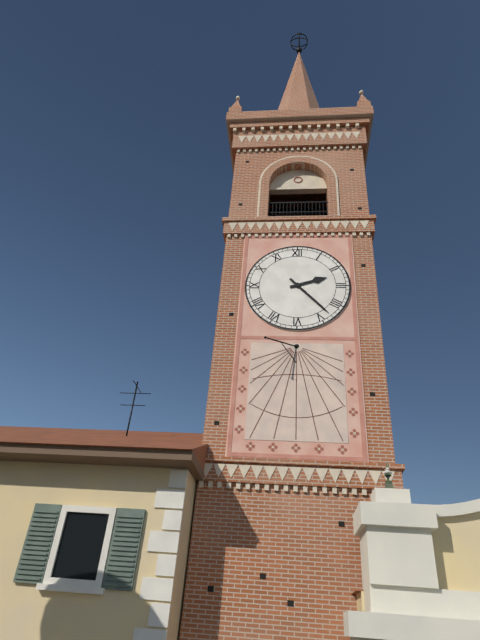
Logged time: 2.23
